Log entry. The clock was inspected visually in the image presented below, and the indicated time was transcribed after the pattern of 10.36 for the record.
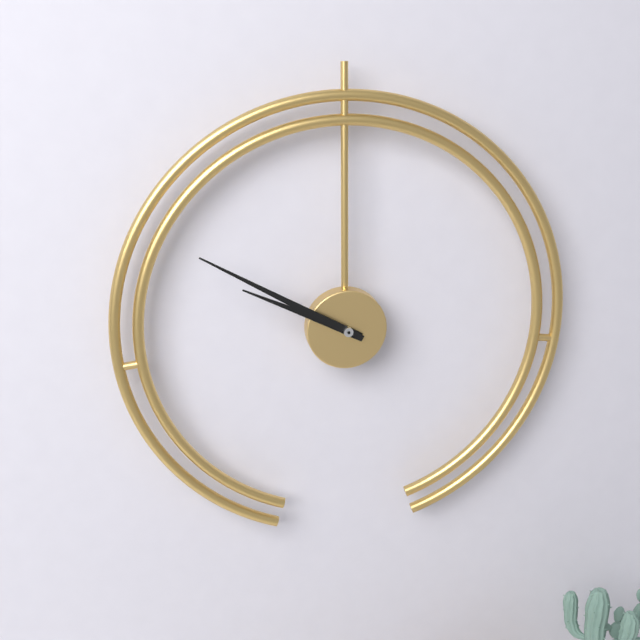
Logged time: 9.50
